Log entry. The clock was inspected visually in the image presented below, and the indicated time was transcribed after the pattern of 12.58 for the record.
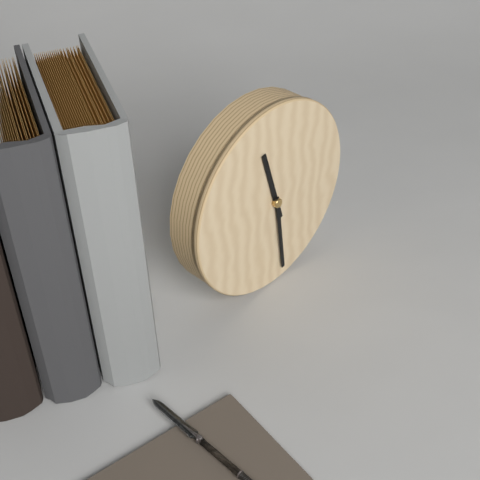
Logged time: 11.29
